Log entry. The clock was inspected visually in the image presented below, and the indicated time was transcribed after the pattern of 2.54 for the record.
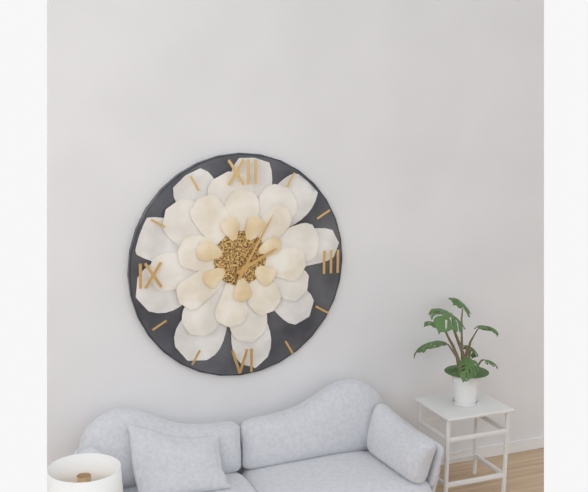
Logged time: 2.05
